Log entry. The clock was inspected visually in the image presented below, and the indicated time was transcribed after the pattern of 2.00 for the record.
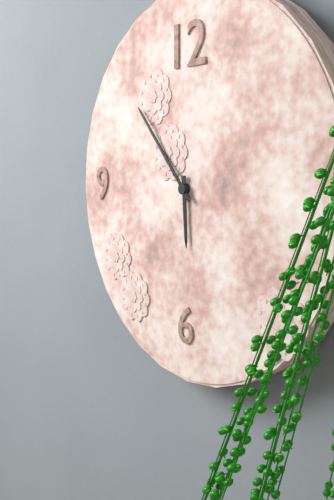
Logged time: 5.53
